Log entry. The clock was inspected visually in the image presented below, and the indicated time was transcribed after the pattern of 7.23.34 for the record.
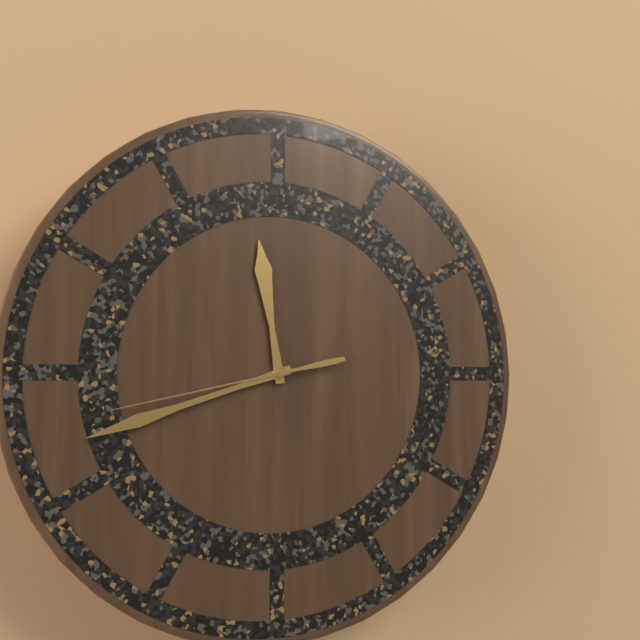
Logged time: 11.42.43
